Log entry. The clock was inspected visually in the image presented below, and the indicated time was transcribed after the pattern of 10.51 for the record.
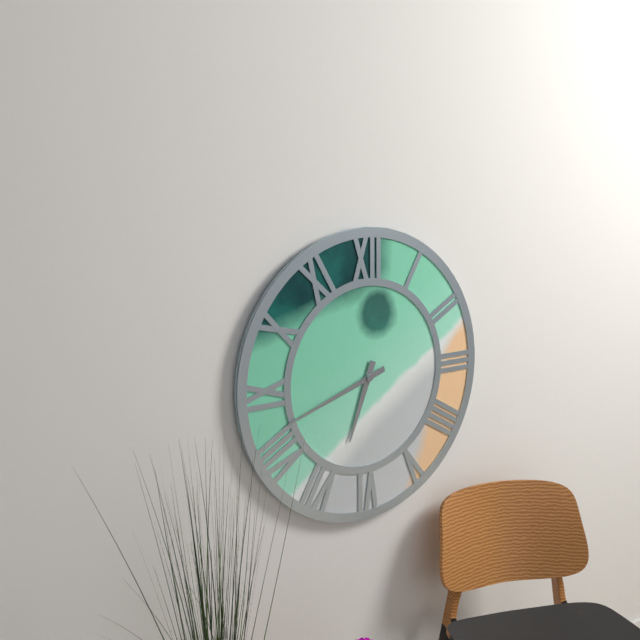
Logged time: 6.42
